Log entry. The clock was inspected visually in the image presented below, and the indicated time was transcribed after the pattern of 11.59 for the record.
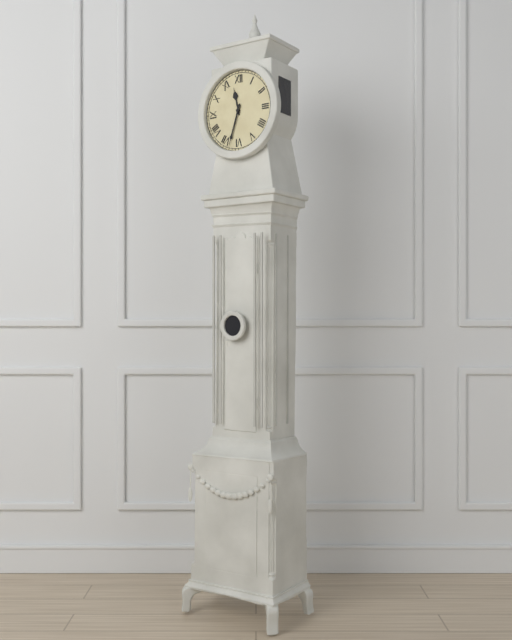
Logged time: 11.33
